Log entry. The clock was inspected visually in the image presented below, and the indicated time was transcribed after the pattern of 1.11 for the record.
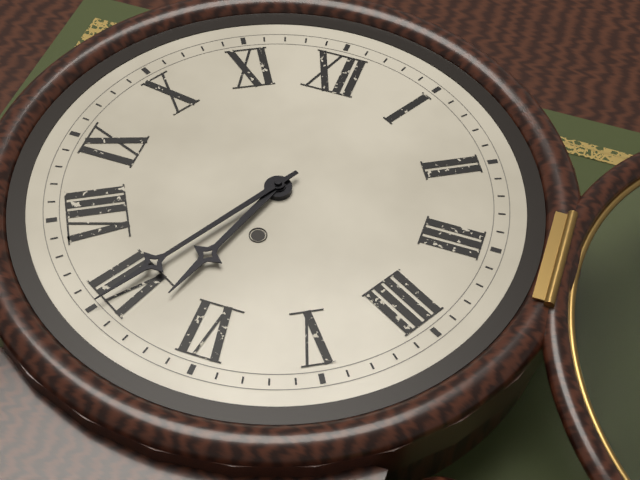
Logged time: 6.35
